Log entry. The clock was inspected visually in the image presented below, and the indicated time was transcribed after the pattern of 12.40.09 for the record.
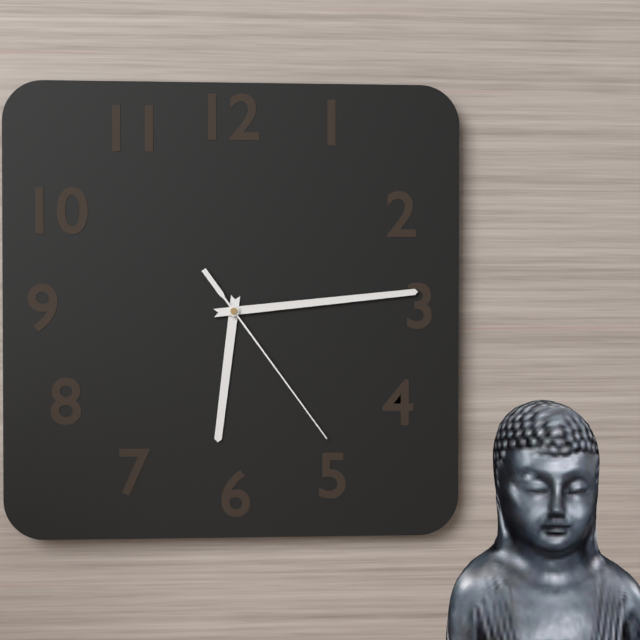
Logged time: 6.14.24
